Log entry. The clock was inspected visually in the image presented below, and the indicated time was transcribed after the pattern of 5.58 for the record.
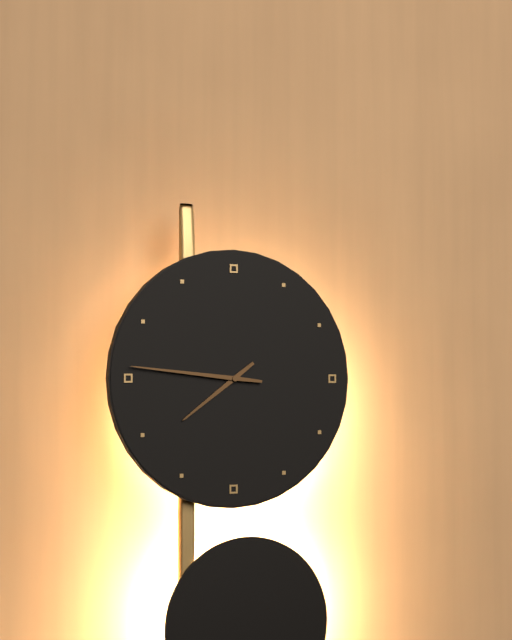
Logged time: 7.46
